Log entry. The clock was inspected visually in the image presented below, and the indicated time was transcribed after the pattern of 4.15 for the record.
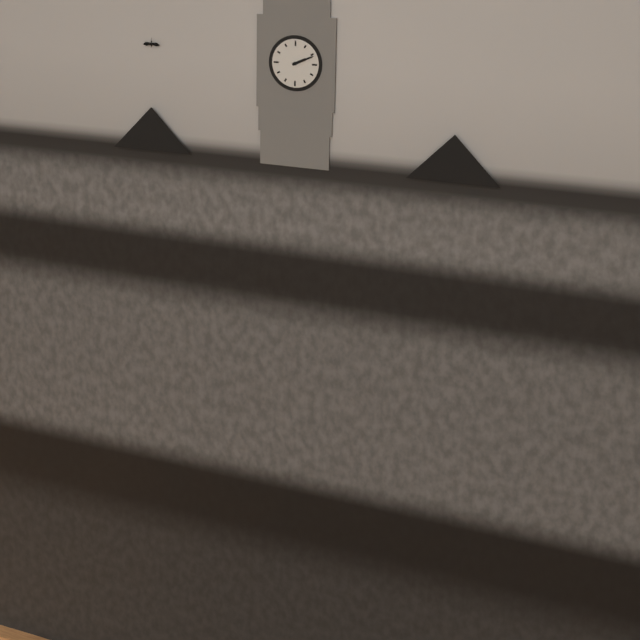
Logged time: 2.11
